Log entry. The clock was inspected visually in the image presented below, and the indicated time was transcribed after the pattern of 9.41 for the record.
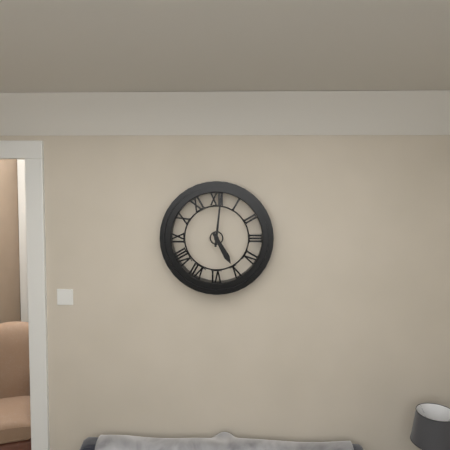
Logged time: 5.01
